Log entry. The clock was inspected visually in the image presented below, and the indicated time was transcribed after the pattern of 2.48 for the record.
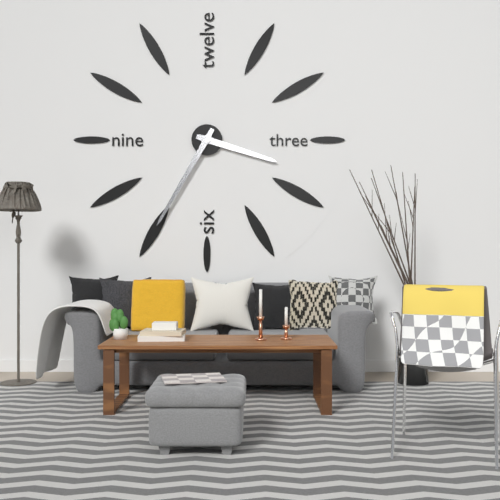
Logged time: 3.35
